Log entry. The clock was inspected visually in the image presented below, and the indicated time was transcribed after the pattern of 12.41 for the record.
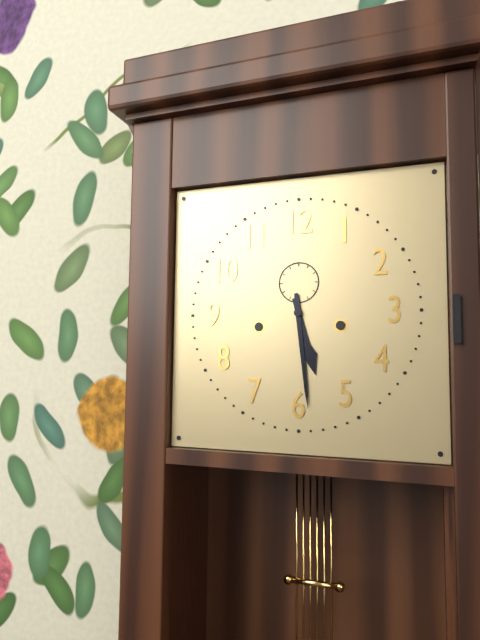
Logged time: 5.29
